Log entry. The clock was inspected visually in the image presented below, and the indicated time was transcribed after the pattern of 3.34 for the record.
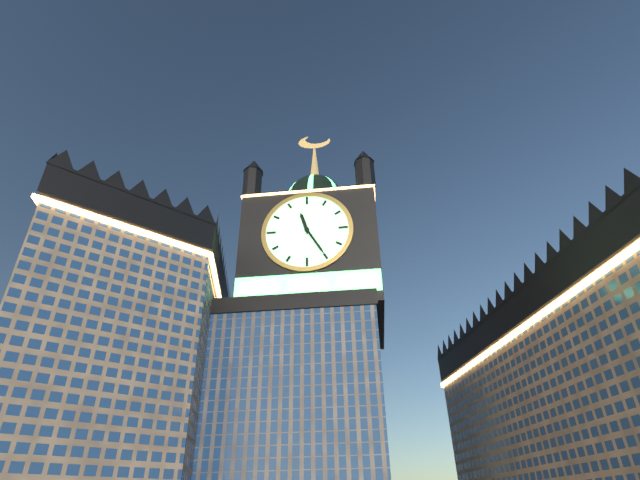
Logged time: 11.25
